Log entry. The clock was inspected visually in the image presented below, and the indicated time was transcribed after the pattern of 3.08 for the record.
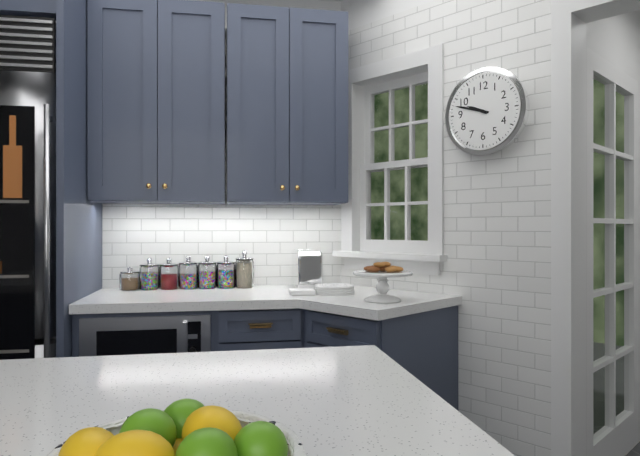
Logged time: 9.48
